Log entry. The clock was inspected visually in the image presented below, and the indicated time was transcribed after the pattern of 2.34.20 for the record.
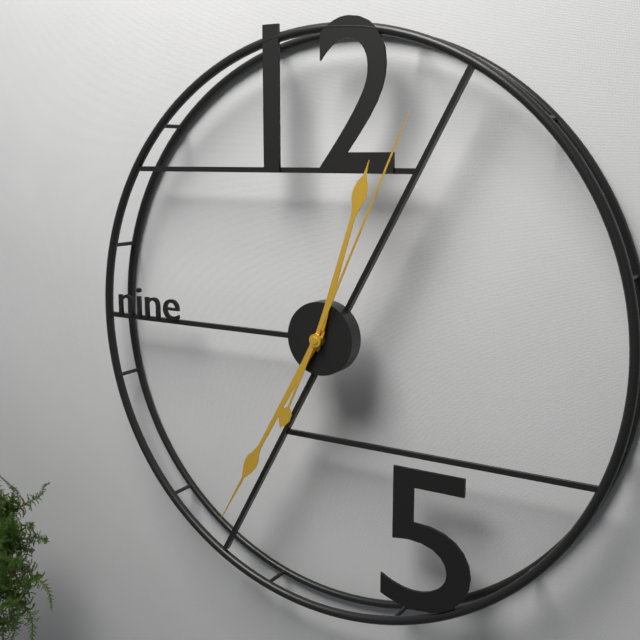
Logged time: 12.35.04
